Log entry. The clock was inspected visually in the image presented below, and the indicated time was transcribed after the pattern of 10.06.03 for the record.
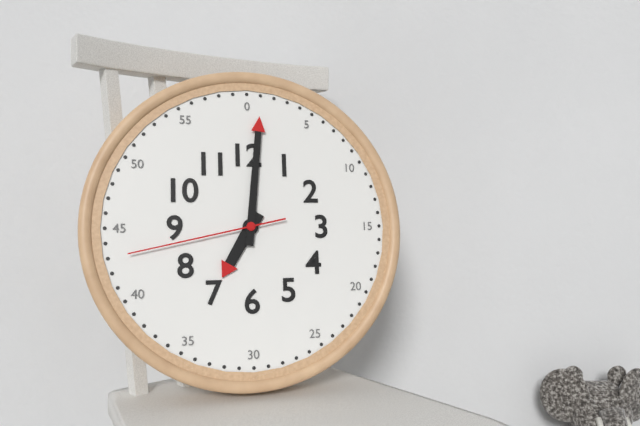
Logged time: 7.01.43
